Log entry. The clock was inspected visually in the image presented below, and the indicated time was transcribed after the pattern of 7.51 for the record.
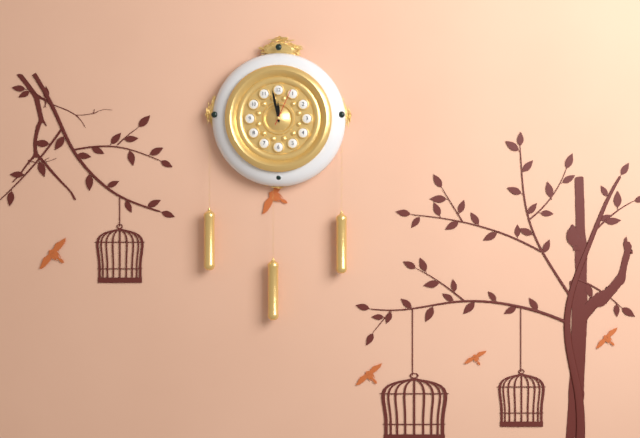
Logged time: 11.58
